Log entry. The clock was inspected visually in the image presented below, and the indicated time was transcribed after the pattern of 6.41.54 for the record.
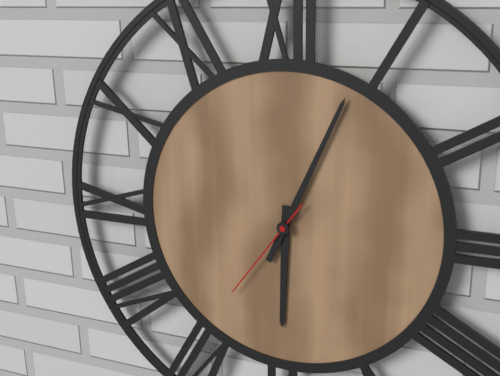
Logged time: 6.04.36
